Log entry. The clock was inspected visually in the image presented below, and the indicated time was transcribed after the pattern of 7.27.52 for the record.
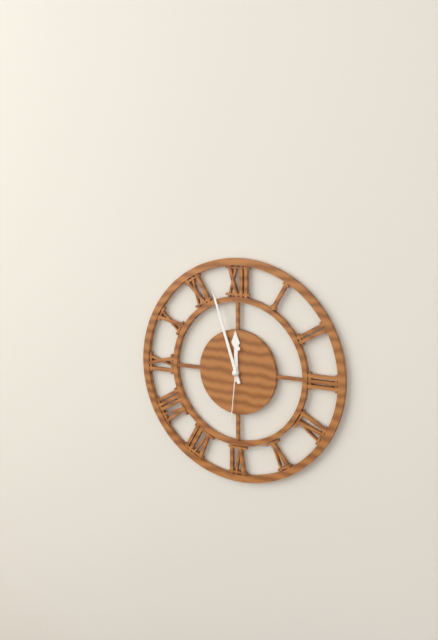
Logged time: 11.57.31
